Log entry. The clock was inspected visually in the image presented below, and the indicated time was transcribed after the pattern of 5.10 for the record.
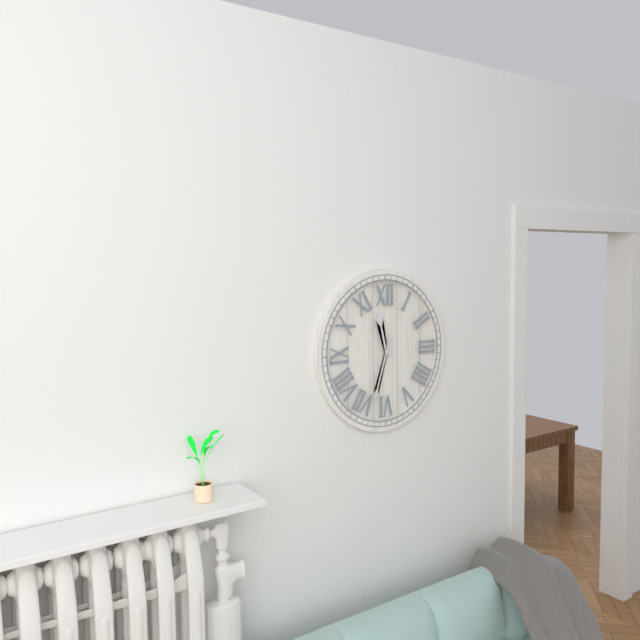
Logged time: 11.33
